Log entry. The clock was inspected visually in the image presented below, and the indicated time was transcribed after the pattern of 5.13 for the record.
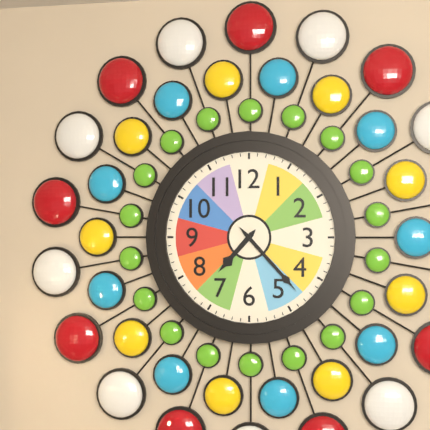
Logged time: 7.23
